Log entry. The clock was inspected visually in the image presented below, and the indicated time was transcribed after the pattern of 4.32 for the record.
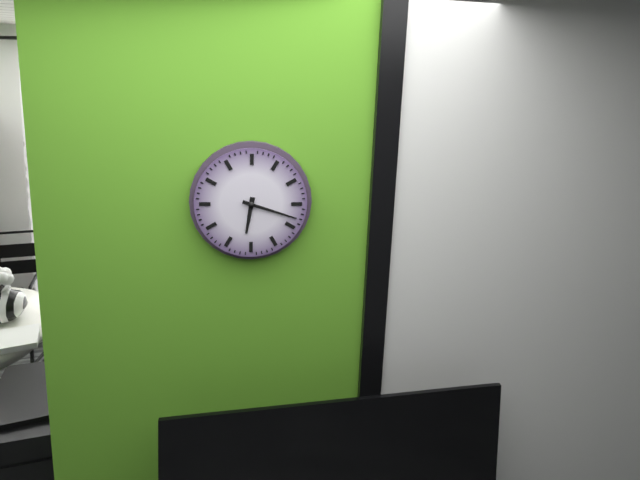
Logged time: 6.18
